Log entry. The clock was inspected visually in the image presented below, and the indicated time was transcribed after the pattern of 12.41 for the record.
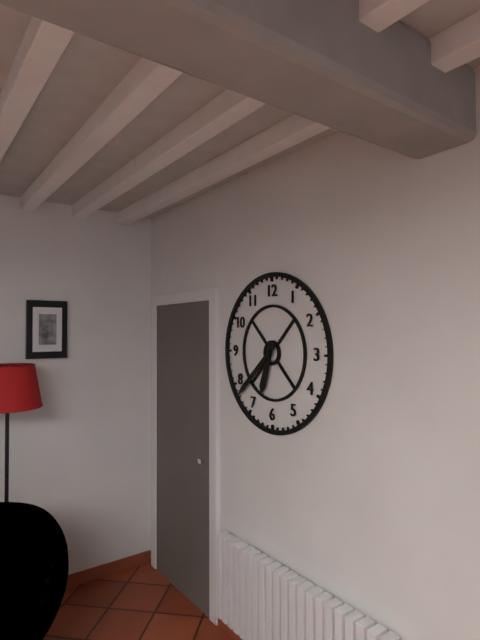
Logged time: 6.38
